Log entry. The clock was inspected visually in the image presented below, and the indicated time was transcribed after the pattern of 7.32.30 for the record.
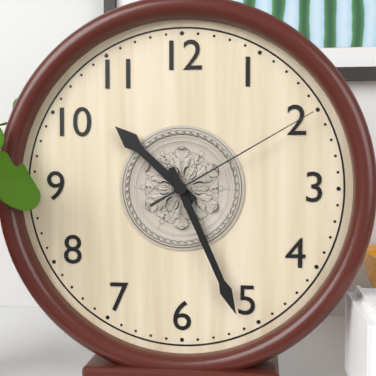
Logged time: 10.26.10
